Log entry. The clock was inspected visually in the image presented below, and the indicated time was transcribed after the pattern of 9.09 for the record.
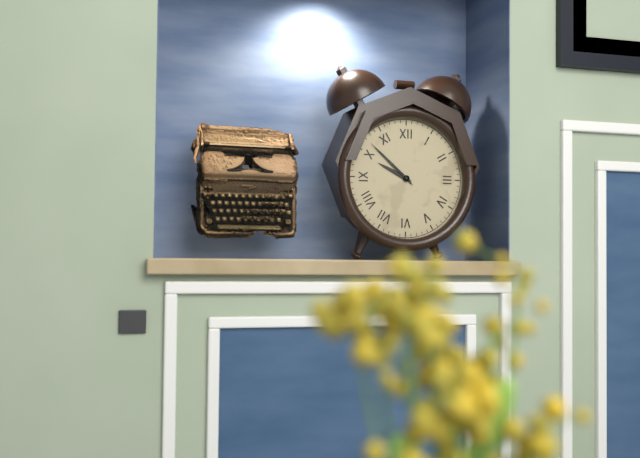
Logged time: 9.52
